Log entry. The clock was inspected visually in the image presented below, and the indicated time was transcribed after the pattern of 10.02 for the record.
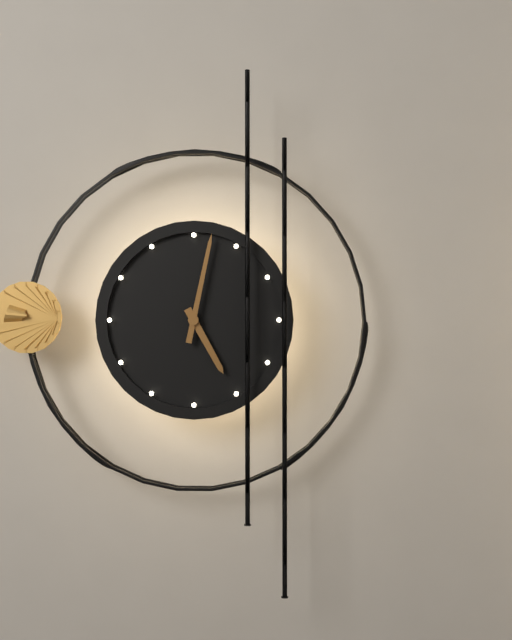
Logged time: 5.02
